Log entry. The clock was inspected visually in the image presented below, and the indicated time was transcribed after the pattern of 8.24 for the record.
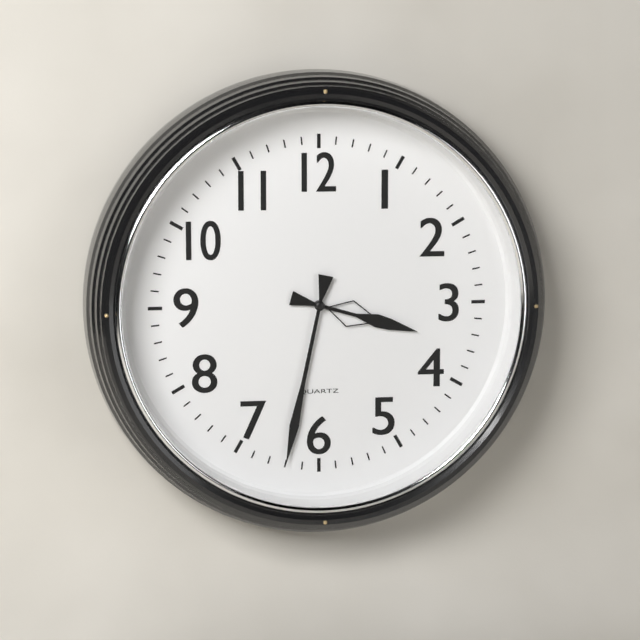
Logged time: 3.32
